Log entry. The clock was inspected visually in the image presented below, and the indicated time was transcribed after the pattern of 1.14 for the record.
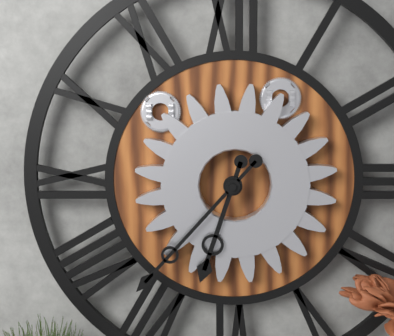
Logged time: 6.37
